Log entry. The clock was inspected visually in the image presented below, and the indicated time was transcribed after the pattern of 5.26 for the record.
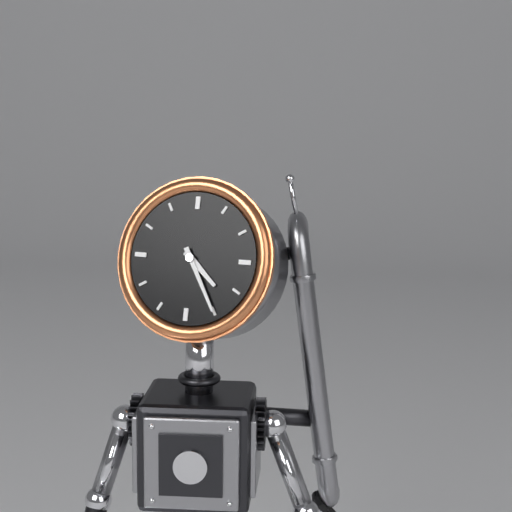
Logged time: 4.25
